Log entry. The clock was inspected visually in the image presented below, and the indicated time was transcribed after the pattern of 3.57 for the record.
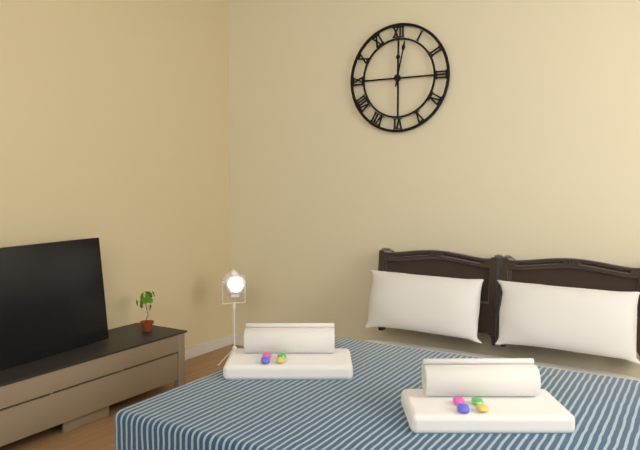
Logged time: 12.02
